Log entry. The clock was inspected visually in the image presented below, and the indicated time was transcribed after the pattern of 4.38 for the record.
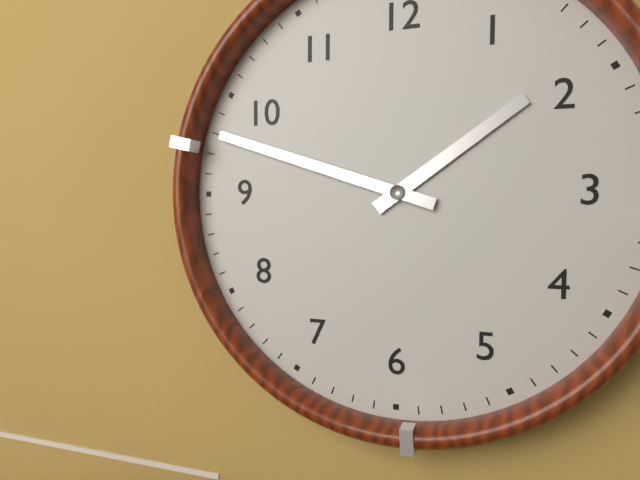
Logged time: 1.48
